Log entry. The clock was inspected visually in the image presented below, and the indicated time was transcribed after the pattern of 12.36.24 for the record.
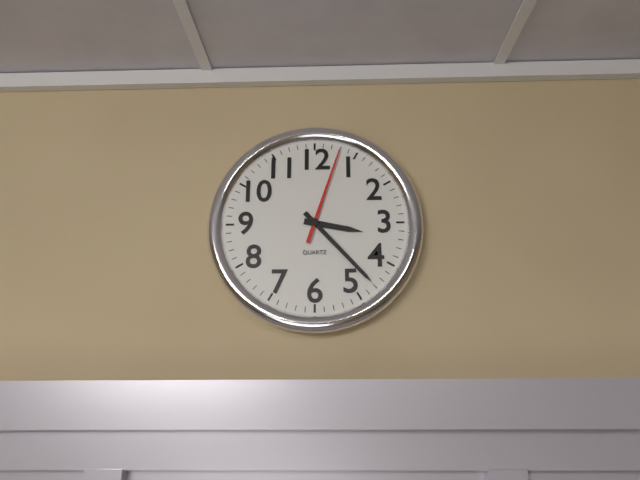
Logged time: 3.23.03
